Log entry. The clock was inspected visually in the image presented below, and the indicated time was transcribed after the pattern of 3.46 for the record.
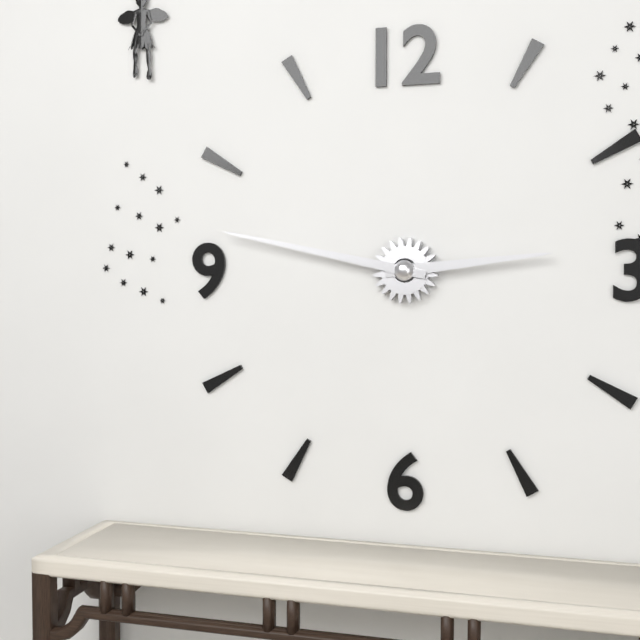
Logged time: 2.47
